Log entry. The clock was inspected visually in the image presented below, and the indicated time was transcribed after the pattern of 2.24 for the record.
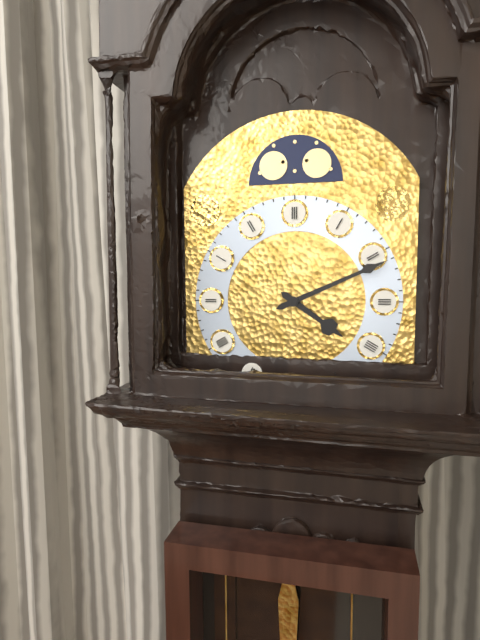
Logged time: 4.11
